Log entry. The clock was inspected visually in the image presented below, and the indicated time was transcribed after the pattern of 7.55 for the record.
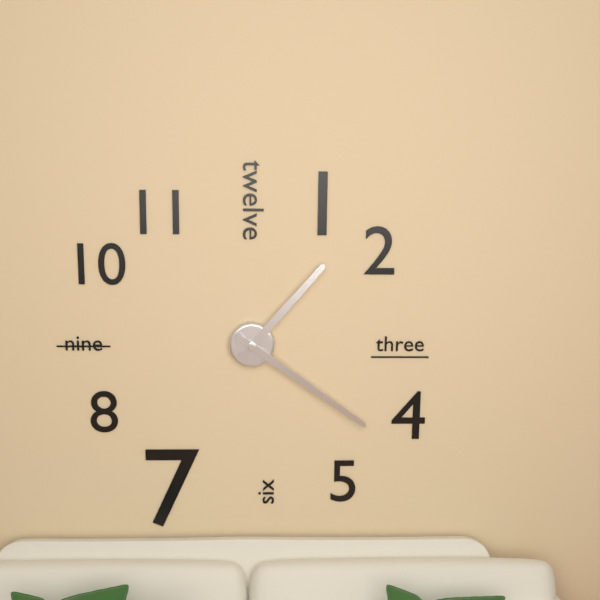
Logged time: 1.21
